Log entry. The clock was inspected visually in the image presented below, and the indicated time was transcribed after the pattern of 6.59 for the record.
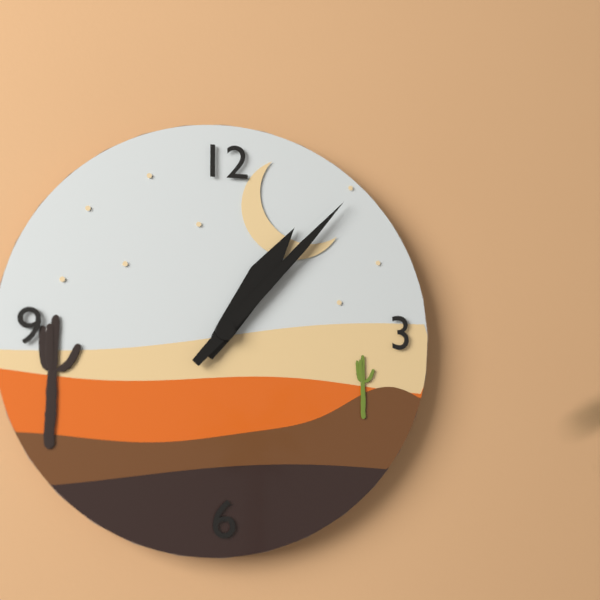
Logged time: 1.07
